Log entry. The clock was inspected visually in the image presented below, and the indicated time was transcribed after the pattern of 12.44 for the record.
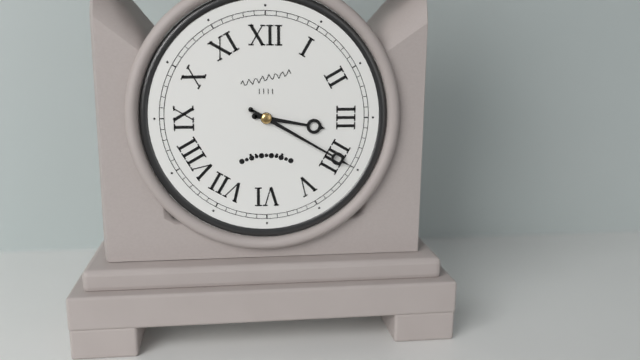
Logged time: 3.20
